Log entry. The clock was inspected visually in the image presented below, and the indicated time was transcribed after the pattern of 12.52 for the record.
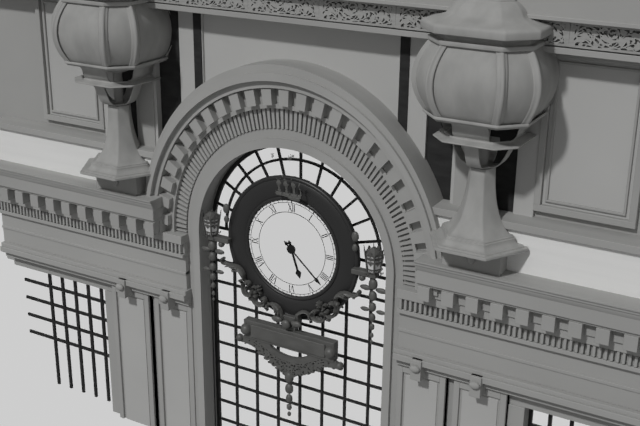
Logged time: 5.22
